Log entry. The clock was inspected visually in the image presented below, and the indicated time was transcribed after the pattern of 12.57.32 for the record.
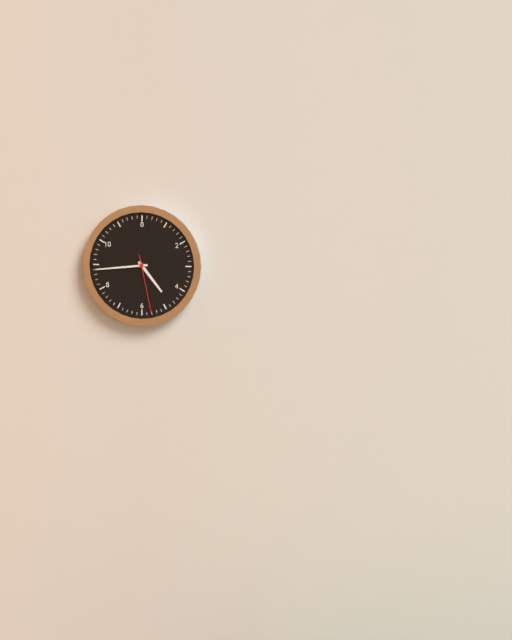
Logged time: 4.44.28
